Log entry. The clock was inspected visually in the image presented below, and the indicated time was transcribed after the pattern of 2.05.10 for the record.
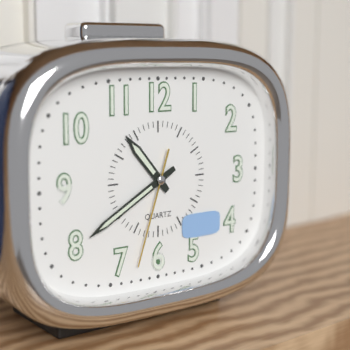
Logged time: 10.40.33
